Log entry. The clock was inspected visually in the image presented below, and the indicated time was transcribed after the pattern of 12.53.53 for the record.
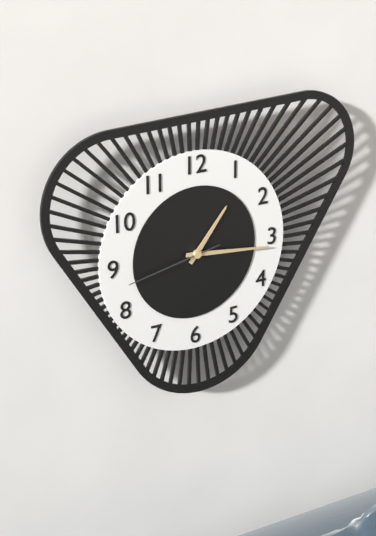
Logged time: 1.16.43
